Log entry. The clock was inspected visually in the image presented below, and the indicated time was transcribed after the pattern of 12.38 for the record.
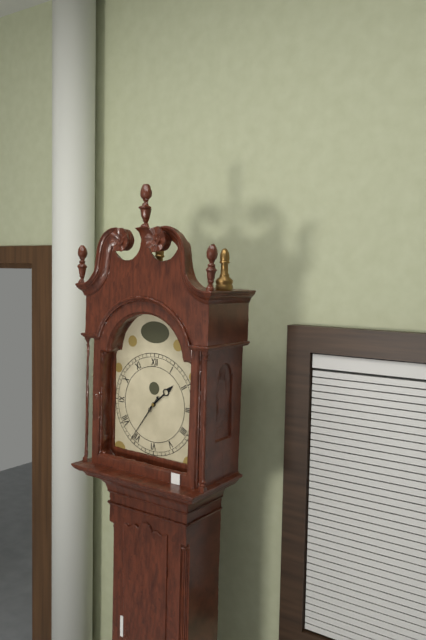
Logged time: 1.36
